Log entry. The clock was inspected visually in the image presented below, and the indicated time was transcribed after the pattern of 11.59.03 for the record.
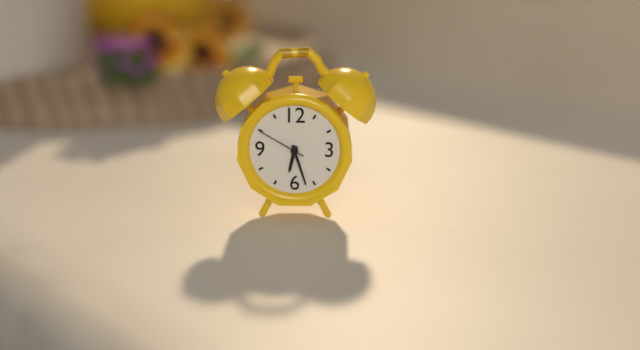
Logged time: 6.27.50
